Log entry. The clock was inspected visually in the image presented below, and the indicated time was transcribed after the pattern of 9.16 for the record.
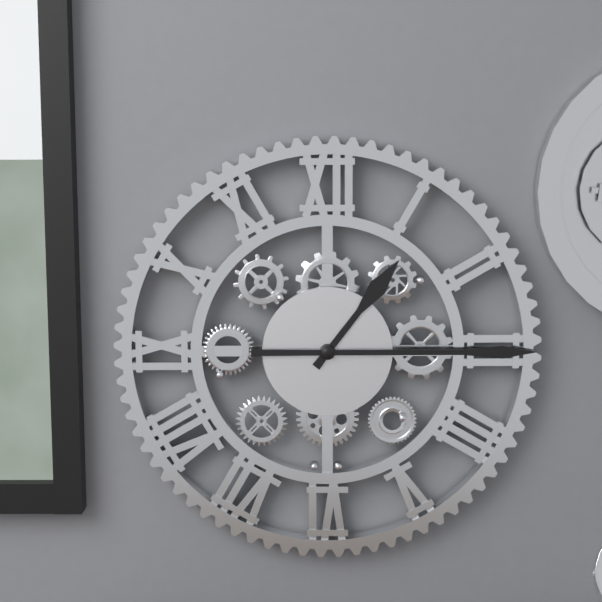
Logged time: 1.15
